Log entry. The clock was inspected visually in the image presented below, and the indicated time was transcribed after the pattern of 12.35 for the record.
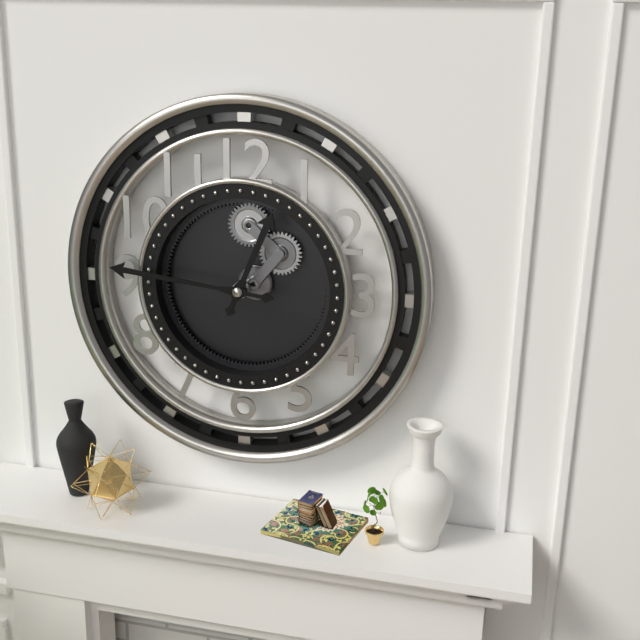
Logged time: 12.46
